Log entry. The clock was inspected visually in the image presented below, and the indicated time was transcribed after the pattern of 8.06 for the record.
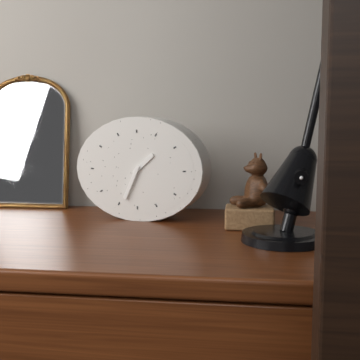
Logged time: 1.34
